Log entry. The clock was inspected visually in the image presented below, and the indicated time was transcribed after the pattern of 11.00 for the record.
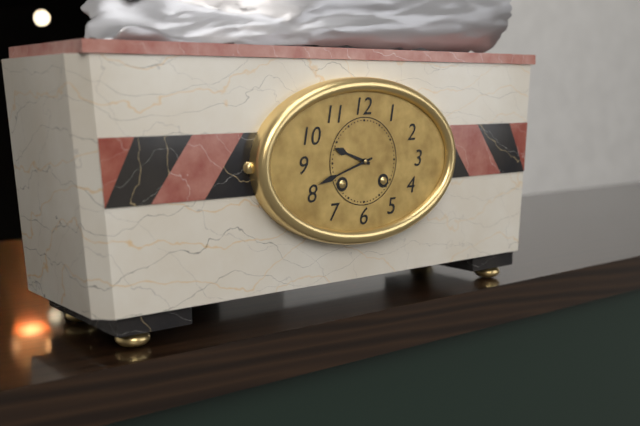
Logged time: 9.42
